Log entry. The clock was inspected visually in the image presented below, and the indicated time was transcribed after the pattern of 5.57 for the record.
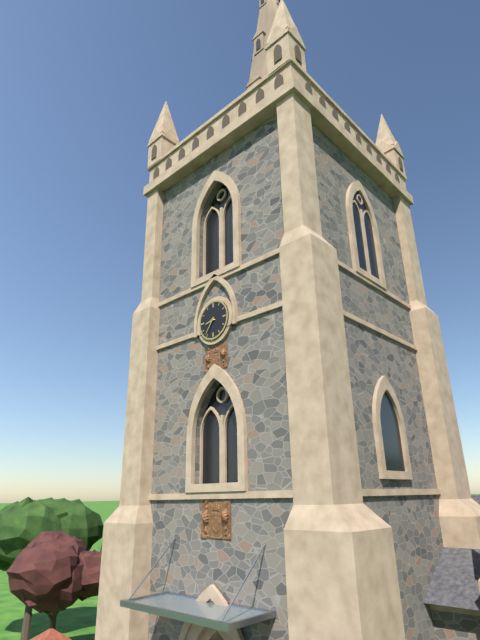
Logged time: 8.36
